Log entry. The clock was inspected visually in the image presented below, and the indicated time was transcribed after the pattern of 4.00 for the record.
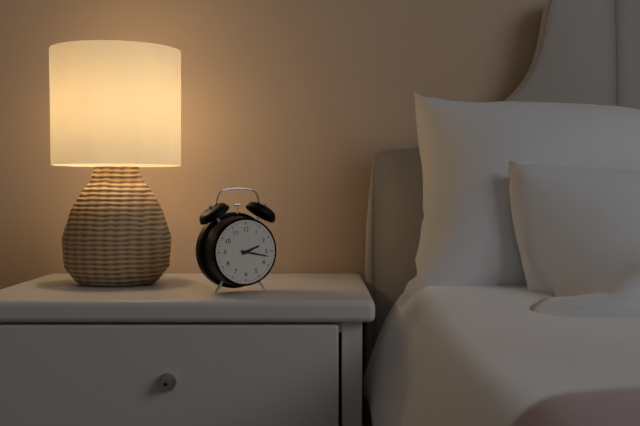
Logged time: 2.17
